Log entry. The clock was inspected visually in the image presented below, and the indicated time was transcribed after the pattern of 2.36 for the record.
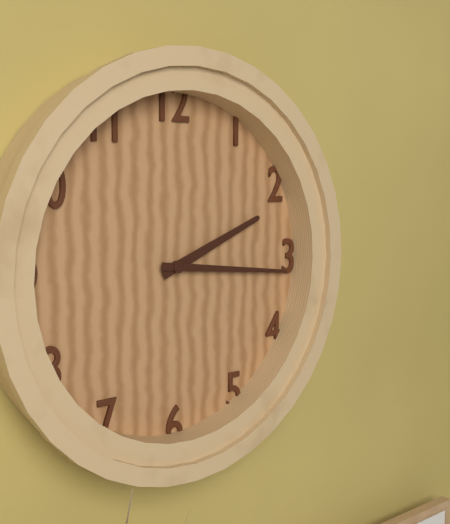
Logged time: 2.16
